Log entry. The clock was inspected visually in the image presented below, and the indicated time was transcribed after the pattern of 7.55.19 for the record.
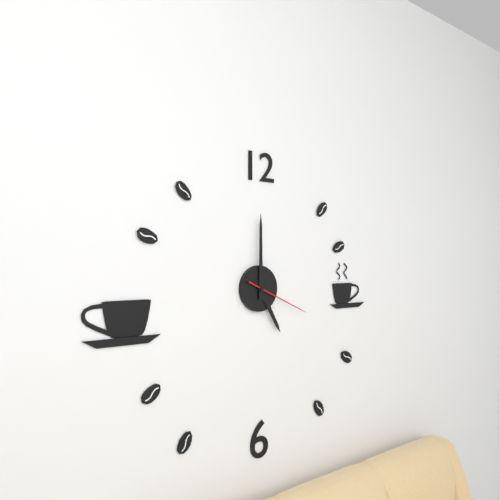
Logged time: 5.00.19
